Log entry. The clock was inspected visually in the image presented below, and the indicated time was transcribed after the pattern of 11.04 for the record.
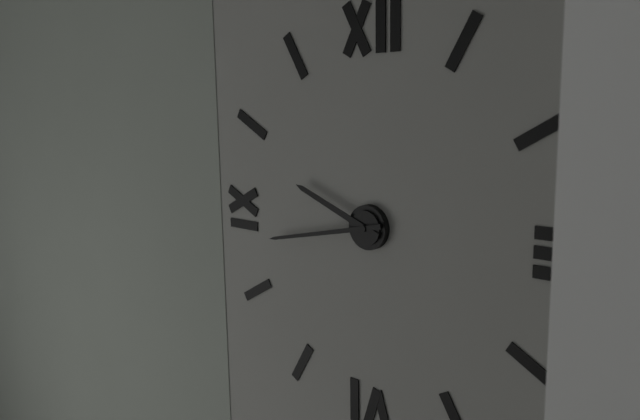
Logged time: 9.43
